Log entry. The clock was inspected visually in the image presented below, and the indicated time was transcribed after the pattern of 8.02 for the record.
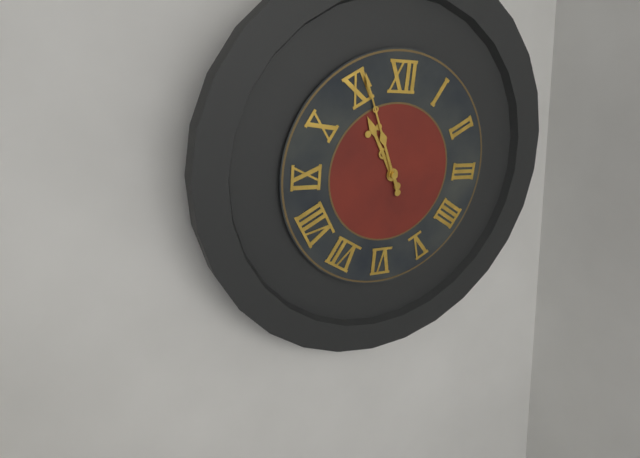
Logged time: 10.56
